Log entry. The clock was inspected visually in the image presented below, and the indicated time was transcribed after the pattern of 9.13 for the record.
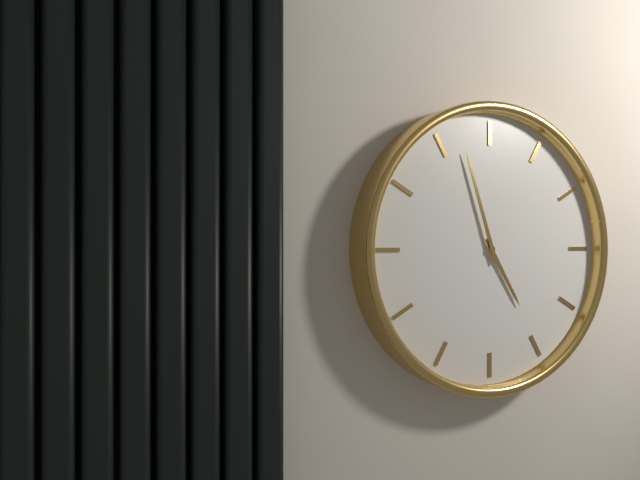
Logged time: 4.57
